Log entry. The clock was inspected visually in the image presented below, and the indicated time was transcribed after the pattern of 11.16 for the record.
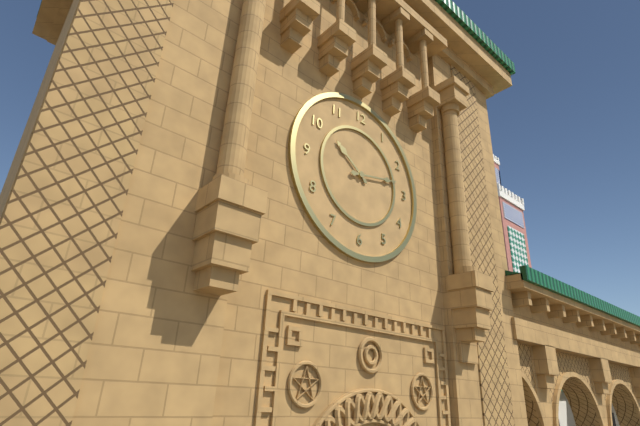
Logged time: 10.13
